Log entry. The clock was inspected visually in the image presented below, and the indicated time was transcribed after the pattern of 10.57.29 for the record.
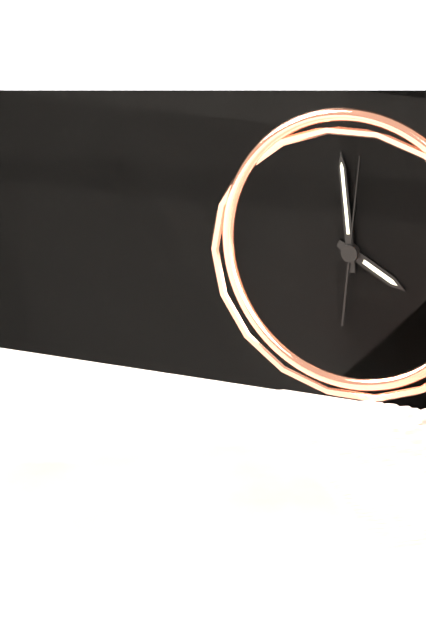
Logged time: 3.59.01
